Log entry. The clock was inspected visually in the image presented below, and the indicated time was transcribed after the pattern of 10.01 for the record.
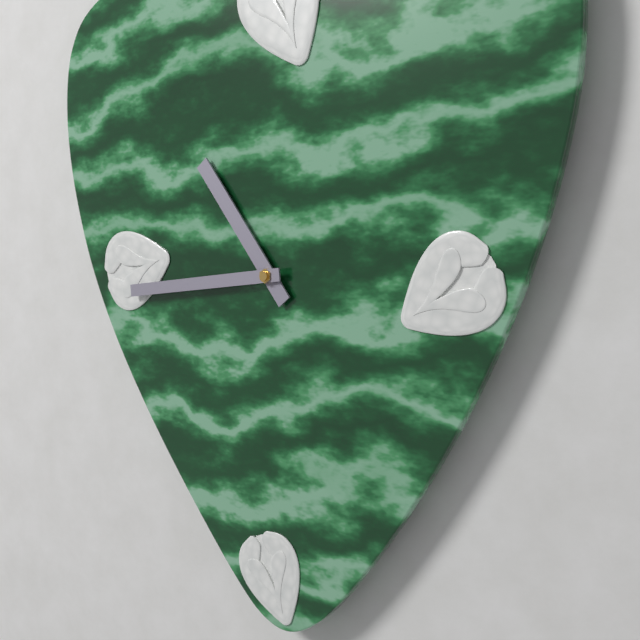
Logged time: 10.44
